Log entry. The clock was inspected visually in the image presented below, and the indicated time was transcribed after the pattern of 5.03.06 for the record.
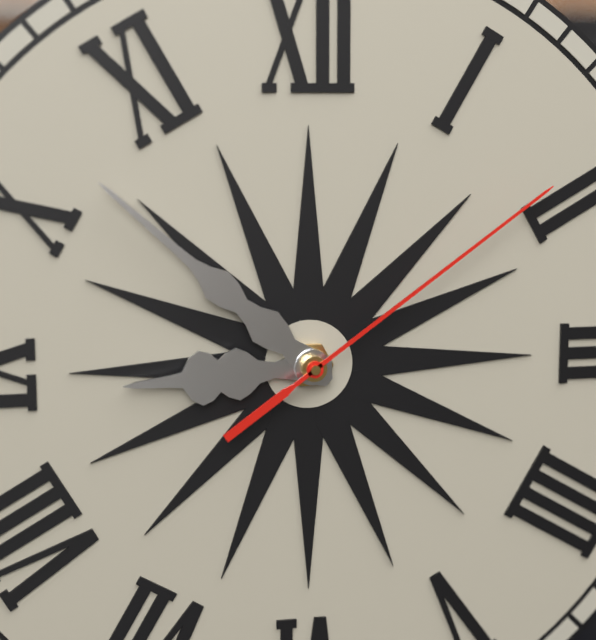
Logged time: 8.52.09
